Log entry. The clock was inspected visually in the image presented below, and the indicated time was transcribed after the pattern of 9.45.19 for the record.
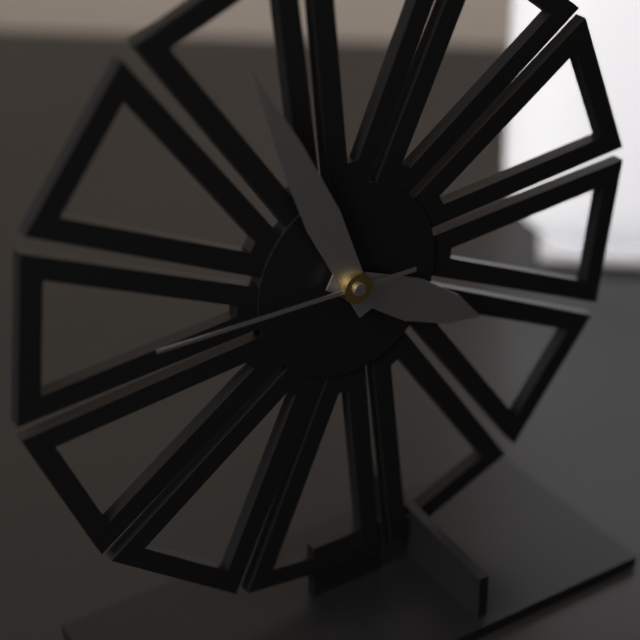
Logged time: 3.56.45
